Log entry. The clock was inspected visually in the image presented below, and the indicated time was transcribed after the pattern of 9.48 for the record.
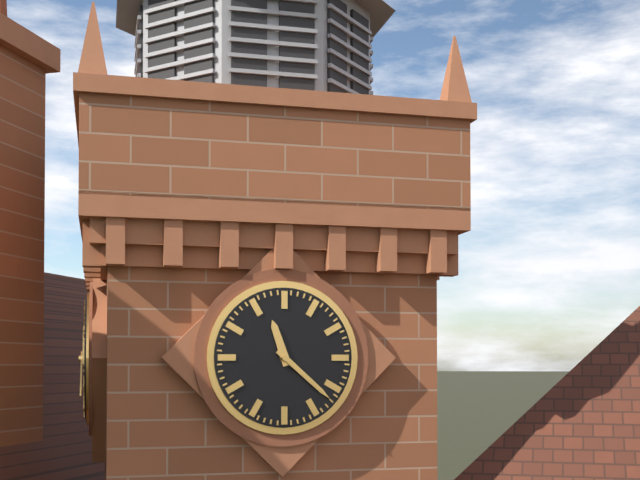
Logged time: 11.22
